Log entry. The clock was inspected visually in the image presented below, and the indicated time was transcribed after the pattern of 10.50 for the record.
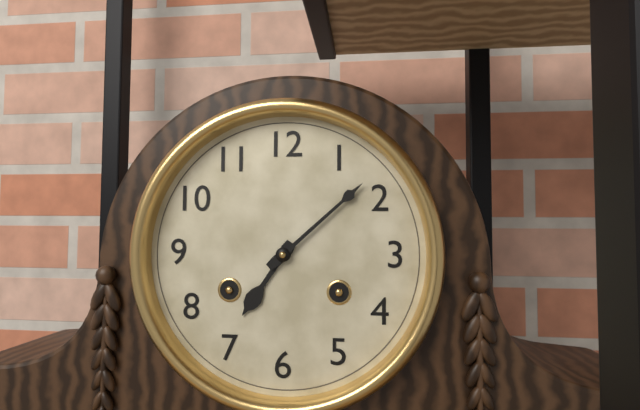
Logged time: 7.08
